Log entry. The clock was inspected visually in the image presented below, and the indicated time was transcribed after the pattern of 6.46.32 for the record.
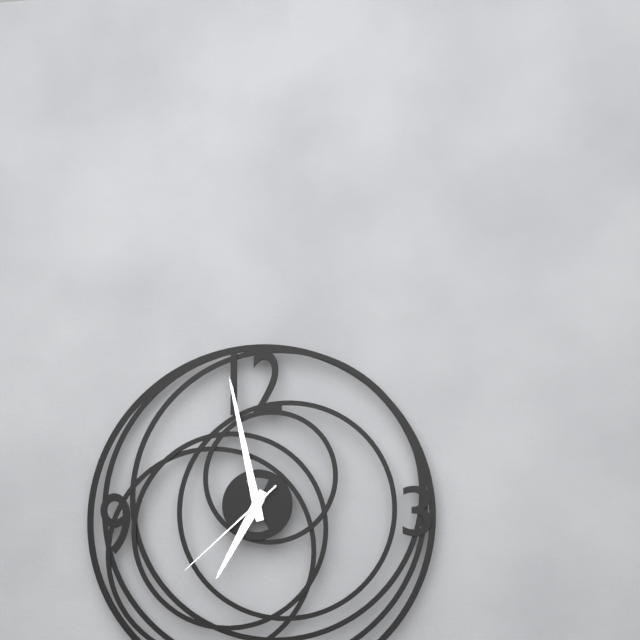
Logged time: 6.58.38
